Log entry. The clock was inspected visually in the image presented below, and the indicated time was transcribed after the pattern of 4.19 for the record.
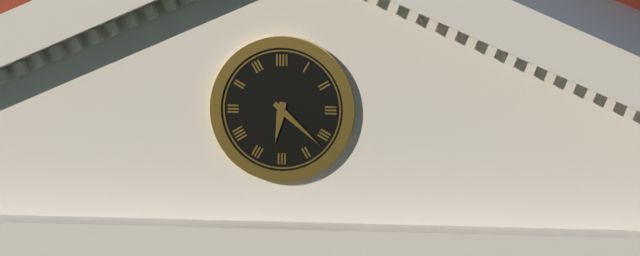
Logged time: 6.22
